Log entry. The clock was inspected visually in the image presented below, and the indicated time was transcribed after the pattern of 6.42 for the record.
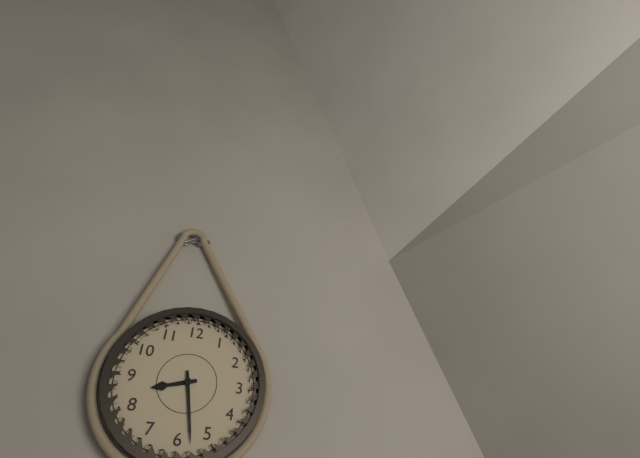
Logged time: 8.28
